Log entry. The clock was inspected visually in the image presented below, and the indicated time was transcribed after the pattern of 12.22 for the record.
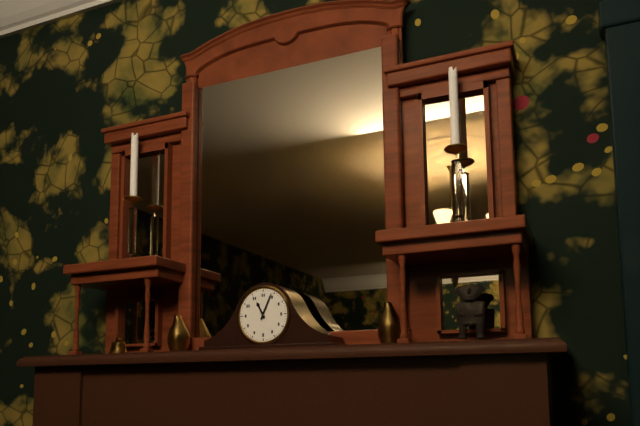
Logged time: 11.04
